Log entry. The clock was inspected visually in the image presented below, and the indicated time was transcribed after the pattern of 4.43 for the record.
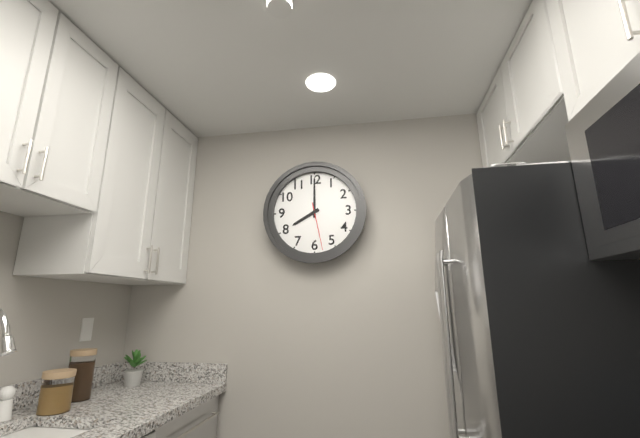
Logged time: 8.00
